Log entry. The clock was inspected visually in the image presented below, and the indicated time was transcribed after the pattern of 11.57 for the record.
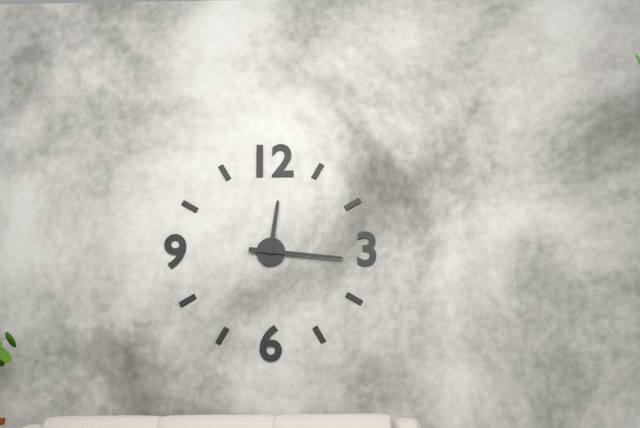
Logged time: 12.16
